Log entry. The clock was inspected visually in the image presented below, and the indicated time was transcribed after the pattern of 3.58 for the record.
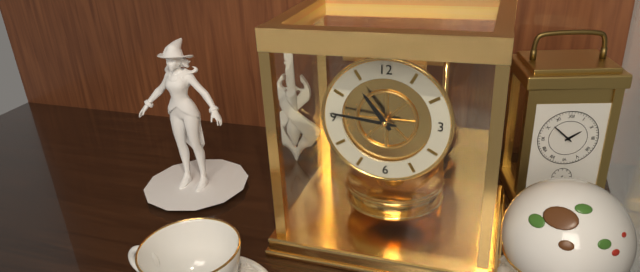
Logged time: 10.46
